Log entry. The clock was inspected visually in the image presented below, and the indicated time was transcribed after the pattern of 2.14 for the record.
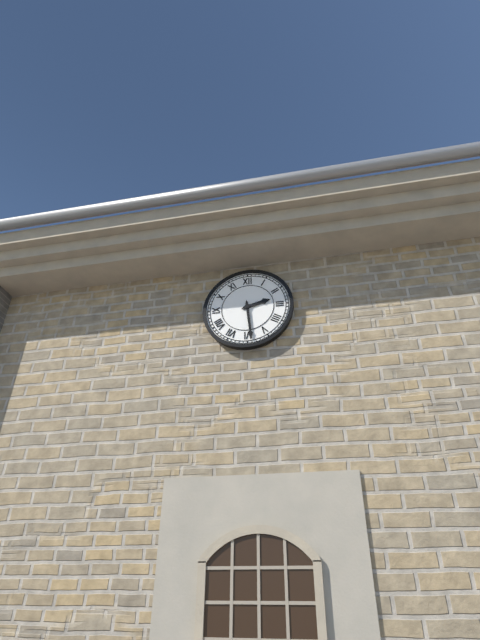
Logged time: 2.29
